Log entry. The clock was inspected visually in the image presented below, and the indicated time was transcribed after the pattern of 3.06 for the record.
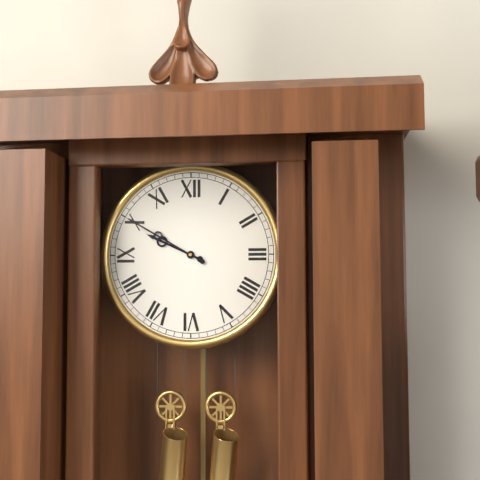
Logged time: 9.50
